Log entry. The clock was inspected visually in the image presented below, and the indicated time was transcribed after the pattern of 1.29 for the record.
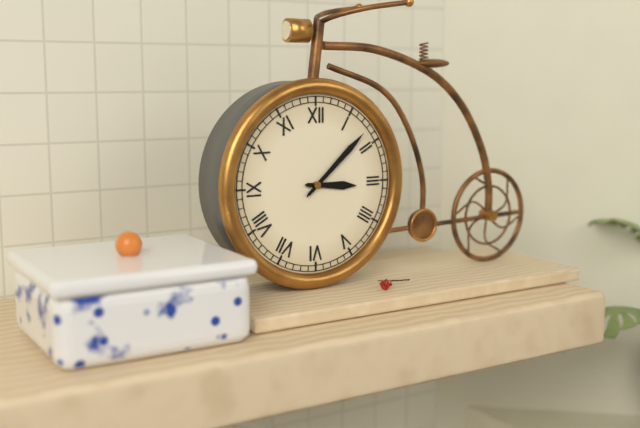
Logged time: 3.08
